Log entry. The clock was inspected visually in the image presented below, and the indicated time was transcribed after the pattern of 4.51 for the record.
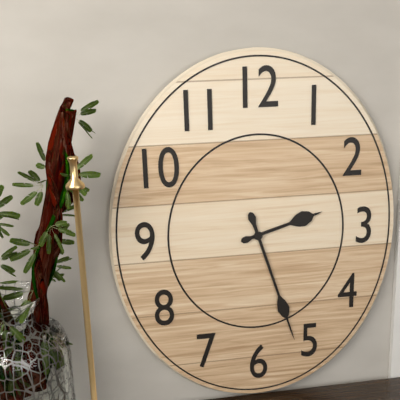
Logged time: 2.27
